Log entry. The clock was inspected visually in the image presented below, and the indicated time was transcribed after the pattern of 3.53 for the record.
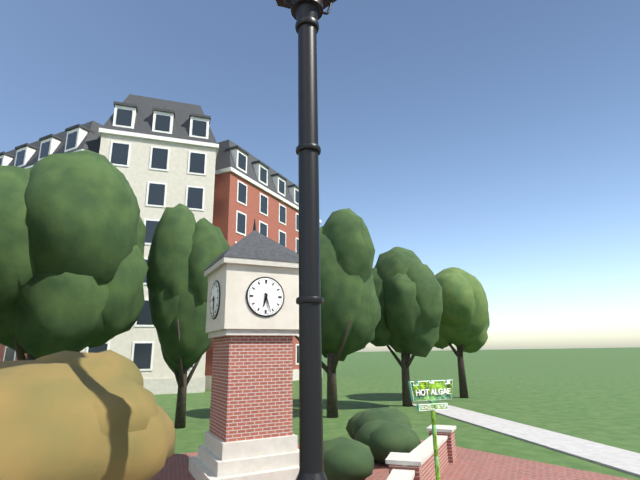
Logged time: 6.27
